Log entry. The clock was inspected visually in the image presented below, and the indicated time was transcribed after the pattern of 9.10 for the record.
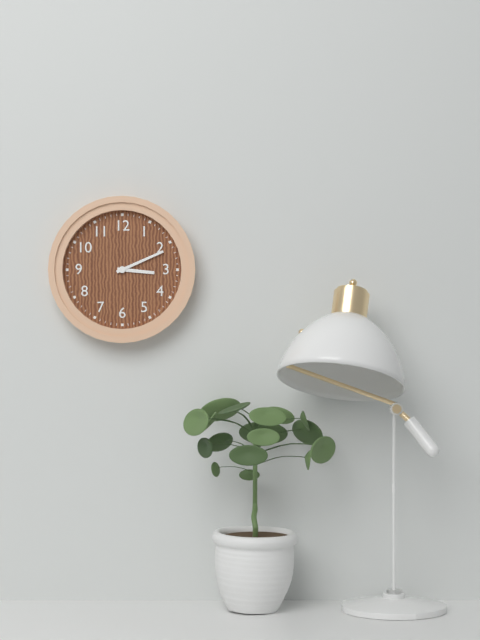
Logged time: 3.11
